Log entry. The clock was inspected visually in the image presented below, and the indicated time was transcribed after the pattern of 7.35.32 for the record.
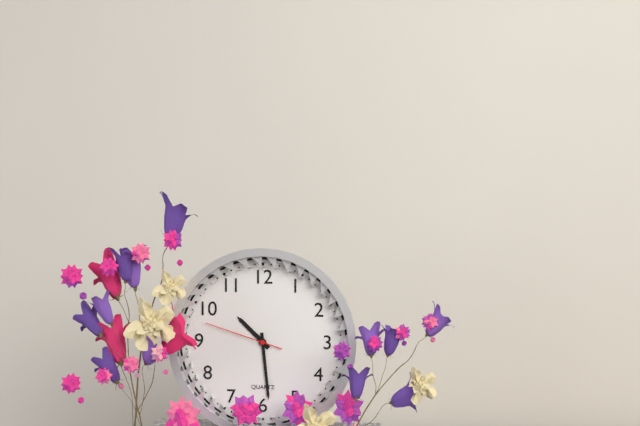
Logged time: 10.29.48
